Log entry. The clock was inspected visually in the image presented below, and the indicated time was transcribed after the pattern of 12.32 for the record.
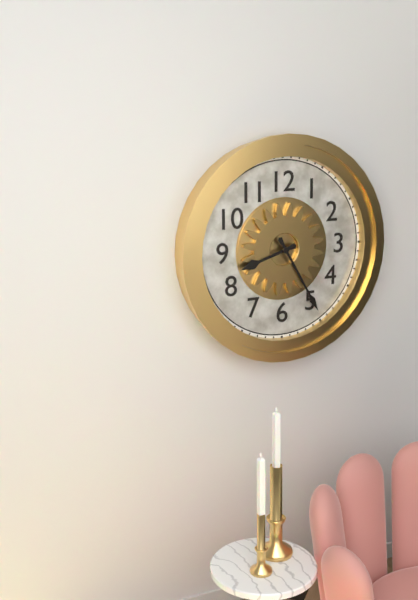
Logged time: 8.25
